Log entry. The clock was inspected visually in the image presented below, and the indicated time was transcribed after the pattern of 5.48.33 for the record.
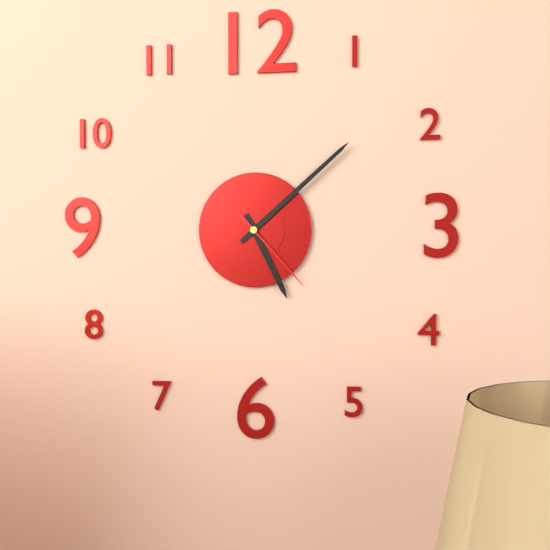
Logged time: 5.08.23
